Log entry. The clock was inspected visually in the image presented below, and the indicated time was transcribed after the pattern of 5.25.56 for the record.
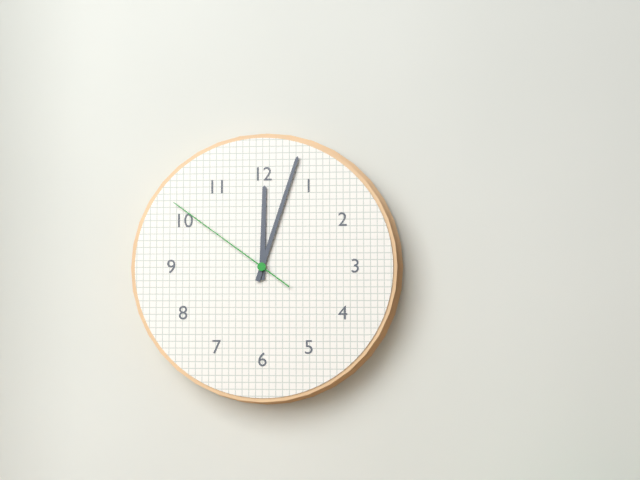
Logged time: 12.03.51
